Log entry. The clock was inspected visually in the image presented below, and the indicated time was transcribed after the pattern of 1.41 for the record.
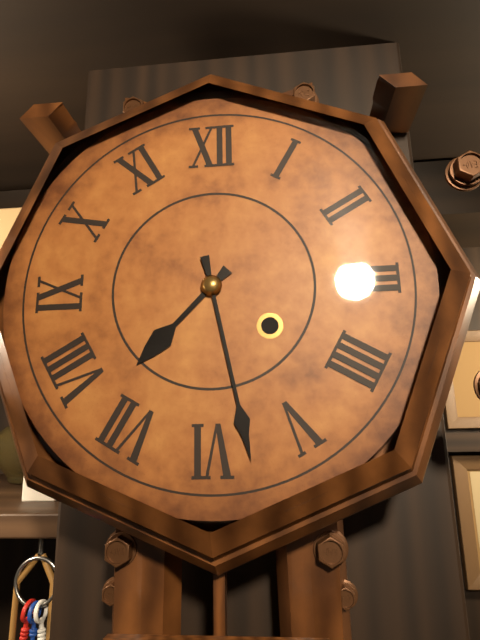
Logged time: 7.28
